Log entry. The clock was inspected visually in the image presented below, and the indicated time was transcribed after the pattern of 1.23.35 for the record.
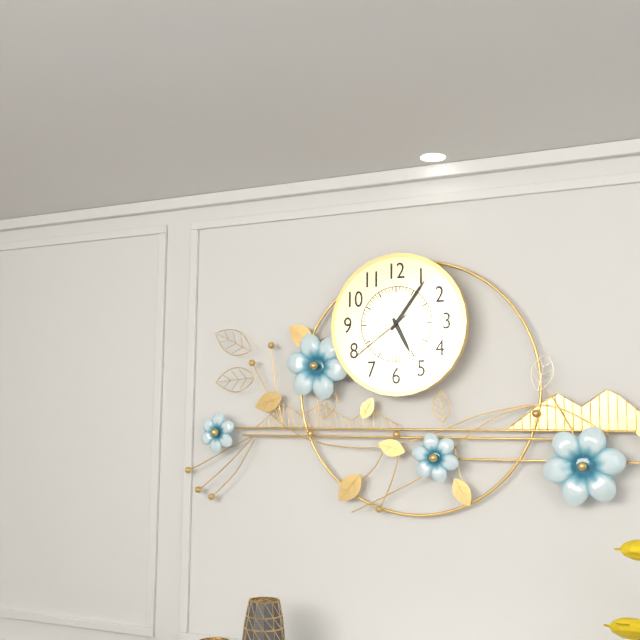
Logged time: 5.06.39
